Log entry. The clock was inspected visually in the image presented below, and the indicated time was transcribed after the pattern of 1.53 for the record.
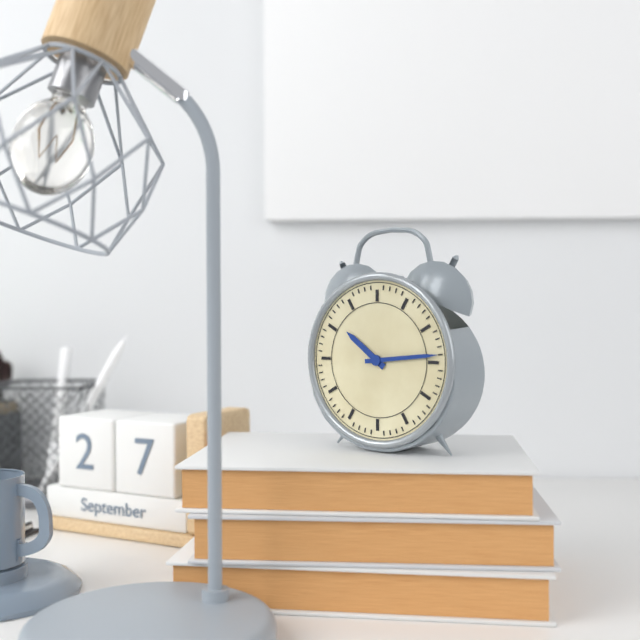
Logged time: 10.14
